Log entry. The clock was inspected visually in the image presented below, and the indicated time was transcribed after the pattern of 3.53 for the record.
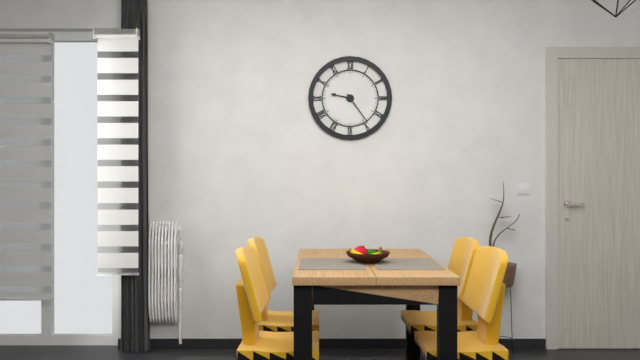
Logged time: 9.24
